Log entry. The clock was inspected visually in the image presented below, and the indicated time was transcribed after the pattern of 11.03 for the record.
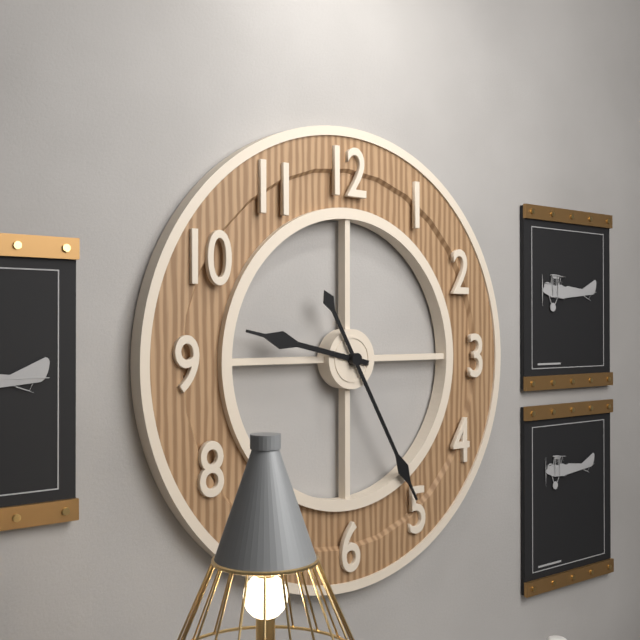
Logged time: 9.25
